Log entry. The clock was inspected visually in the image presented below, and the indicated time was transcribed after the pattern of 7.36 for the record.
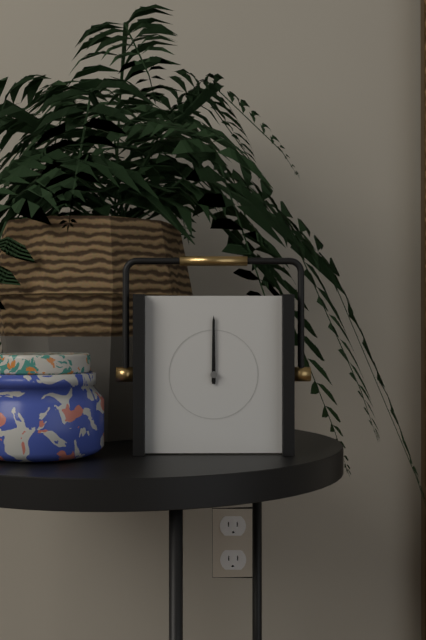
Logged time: 12.00
